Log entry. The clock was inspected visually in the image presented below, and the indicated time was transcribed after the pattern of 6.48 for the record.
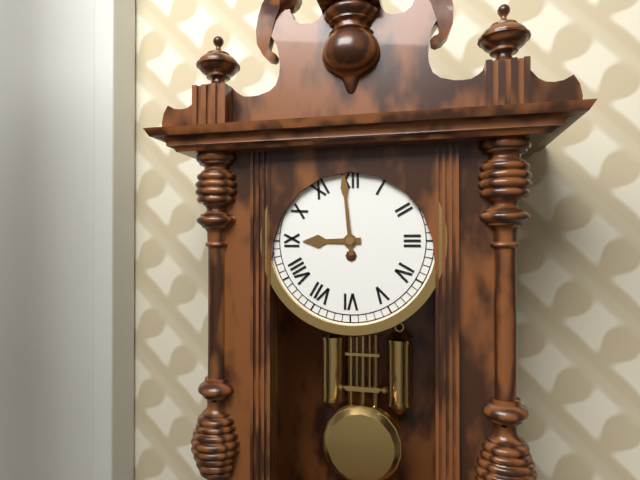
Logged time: 8.59
